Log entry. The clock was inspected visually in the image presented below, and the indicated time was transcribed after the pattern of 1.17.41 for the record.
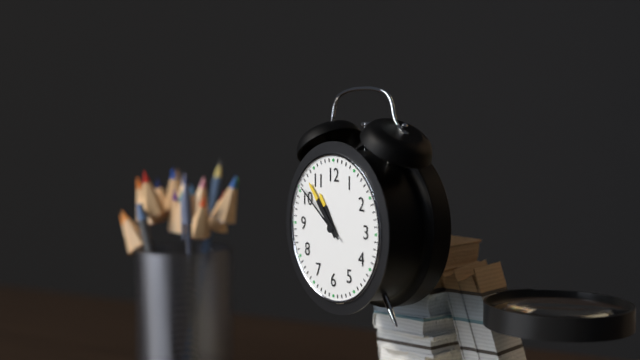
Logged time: 10.53.51
